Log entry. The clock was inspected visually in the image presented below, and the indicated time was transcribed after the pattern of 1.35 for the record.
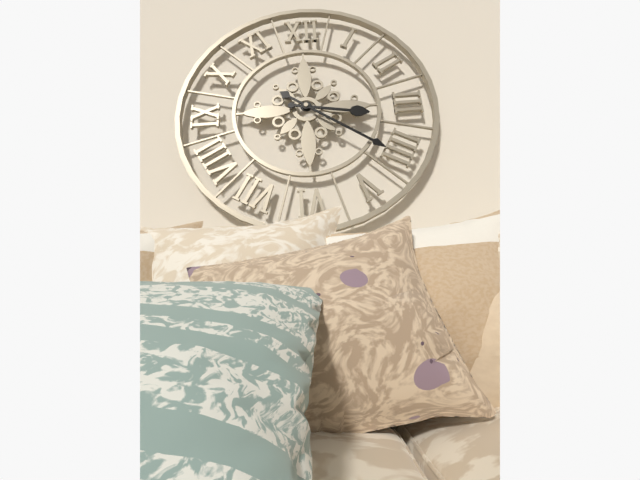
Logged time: 3.21
